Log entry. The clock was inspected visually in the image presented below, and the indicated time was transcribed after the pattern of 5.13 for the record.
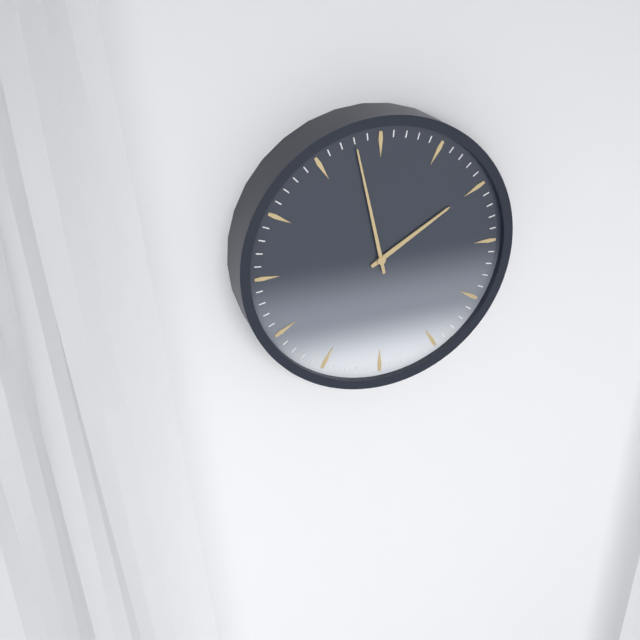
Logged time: 1.58
